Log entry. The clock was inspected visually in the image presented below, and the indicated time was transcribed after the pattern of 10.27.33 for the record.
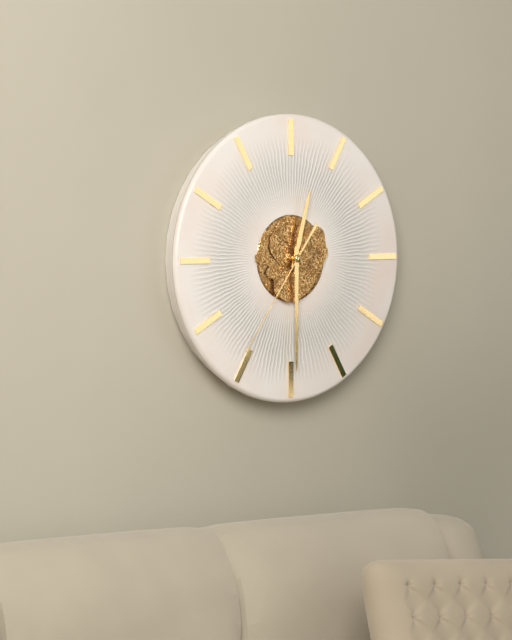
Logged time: 12.30.36
